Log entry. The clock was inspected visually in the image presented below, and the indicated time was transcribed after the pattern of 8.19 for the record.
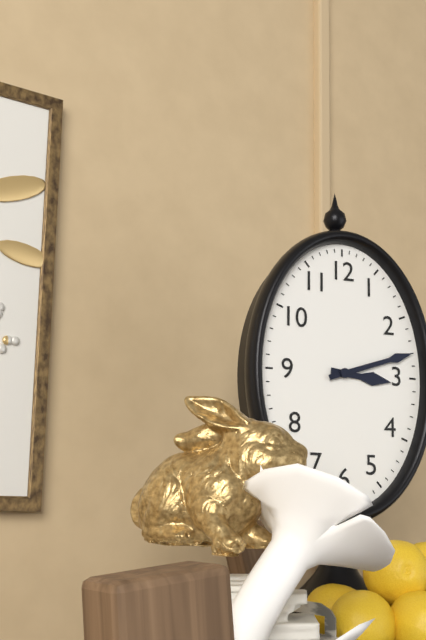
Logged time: 3.12
